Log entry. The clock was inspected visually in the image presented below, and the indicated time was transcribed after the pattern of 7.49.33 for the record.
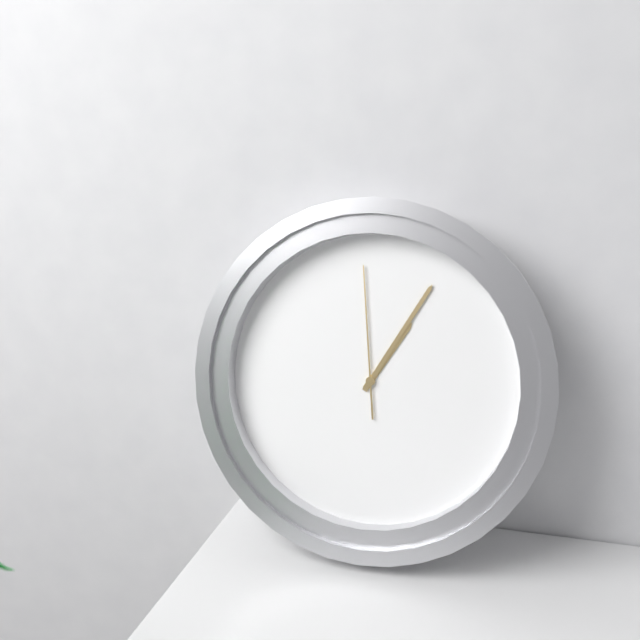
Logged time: 1.05.59
